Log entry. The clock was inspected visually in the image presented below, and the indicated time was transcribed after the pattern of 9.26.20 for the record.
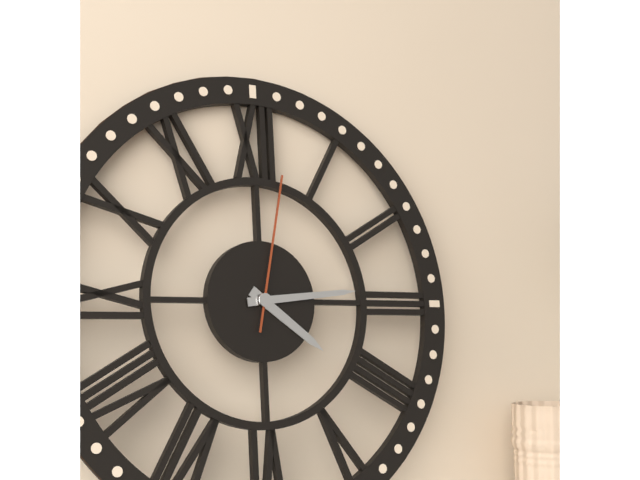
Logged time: 4.14.02
